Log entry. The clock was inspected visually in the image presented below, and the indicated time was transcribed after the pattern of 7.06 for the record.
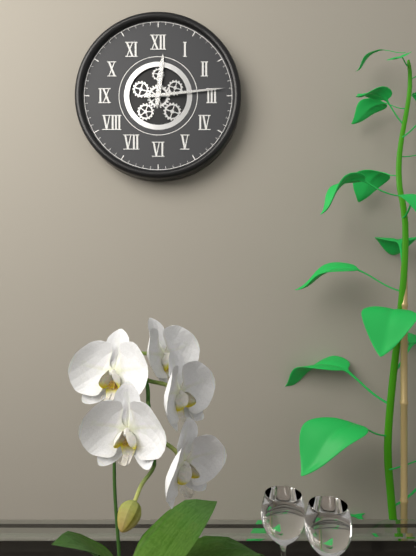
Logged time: 12.14
